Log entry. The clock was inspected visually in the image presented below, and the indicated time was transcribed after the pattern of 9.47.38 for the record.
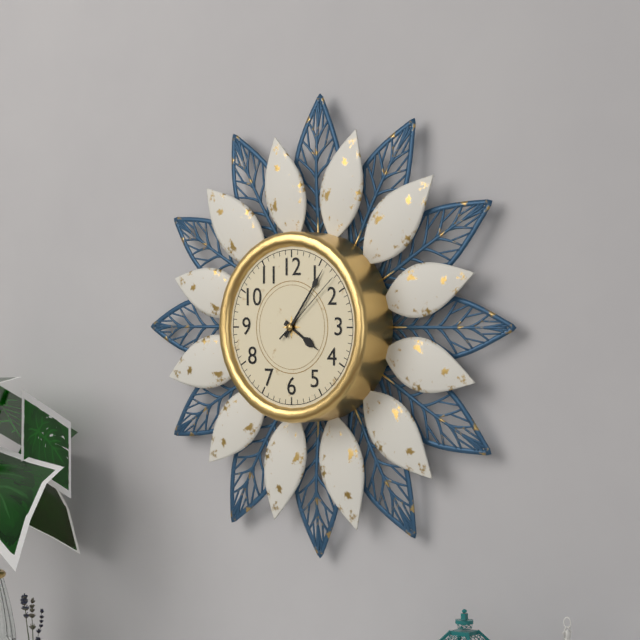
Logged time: 4.06.08
